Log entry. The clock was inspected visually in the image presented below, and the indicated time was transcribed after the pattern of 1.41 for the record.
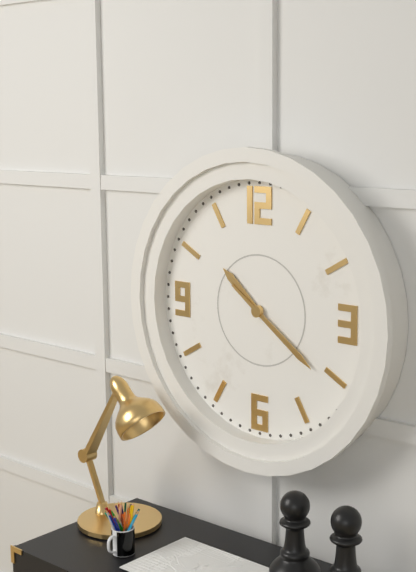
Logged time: 10.21
